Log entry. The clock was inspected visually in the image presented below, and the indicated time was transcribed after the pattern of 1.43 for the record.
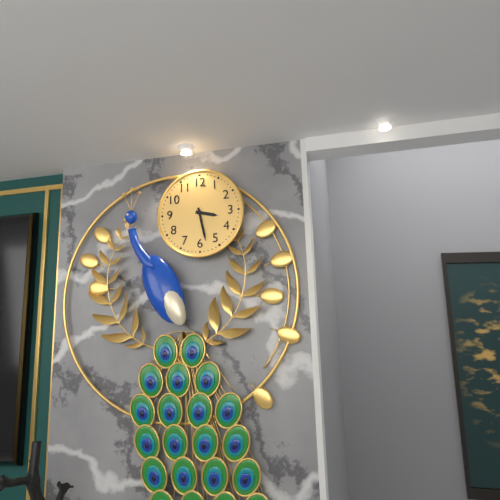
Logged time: 3.28
